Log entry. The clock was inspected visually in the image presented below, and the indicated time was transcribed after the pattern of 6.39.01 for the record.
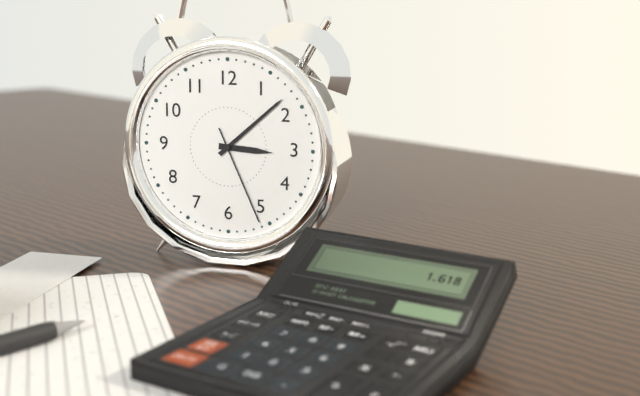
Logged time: 3.08.26
